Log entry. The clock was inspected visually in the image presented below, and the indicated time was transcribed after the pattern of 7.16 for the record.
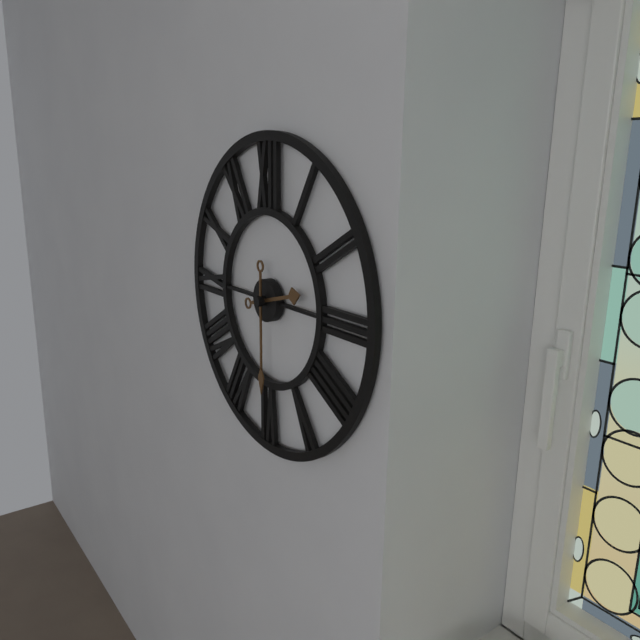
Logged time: 2.30
